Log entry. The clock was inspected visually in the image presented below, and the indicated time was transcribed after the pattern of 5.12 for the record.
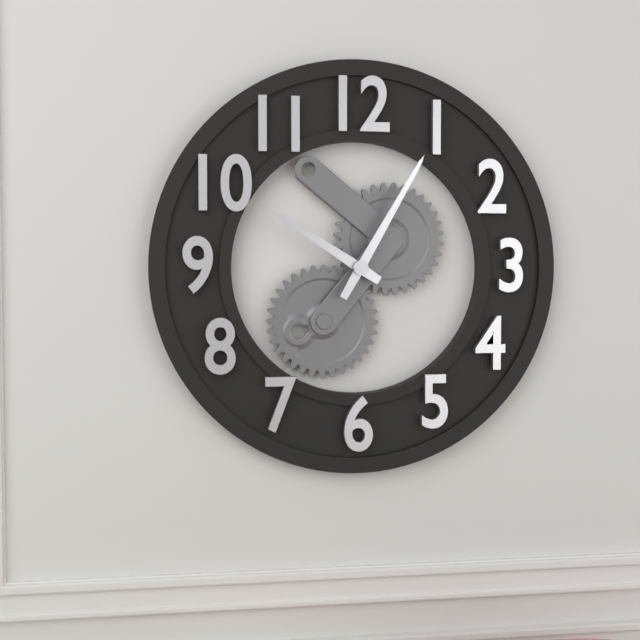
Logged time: 10.05
